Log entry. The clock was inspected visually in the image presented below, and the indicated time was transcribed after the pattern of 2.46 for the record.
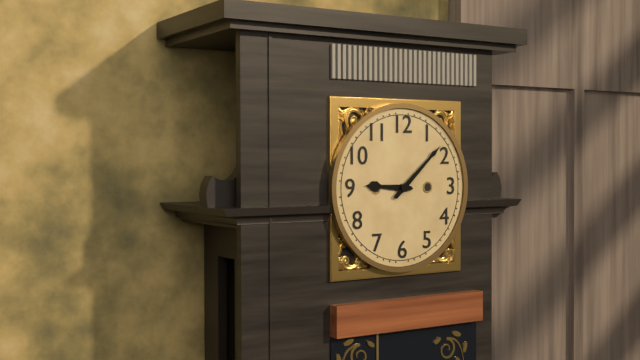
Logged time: 9.08
